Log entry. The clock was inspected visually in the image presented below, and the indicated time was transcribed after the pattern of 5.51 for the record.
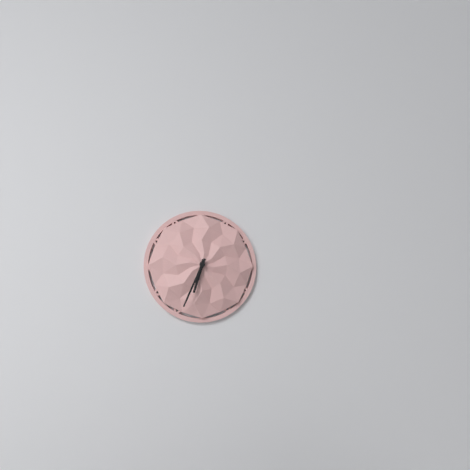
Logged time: 6.34
